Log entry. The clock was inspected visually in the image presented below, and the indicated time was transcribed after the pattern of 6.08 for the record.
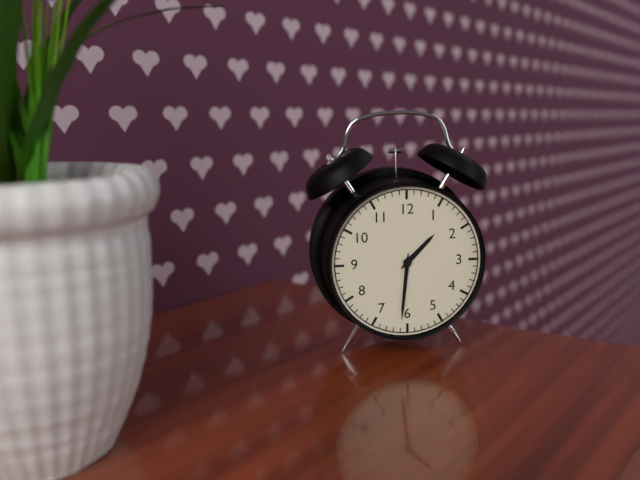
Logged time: 1.31
